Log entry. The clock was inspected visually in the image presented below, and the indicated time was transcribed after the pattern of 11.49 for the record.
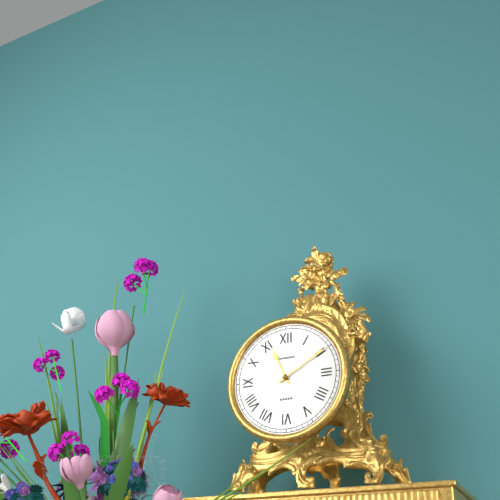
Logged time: 11.10
